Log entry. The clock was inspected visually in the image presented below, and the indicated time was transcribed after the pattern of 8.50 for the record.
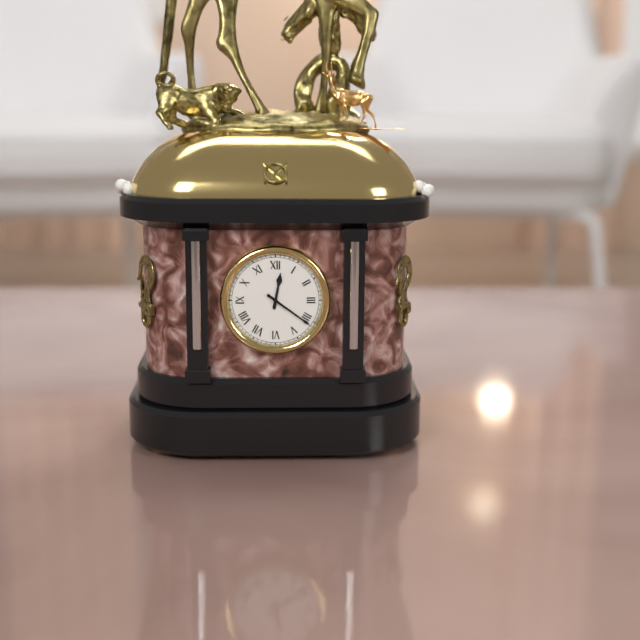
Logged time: 12.21
